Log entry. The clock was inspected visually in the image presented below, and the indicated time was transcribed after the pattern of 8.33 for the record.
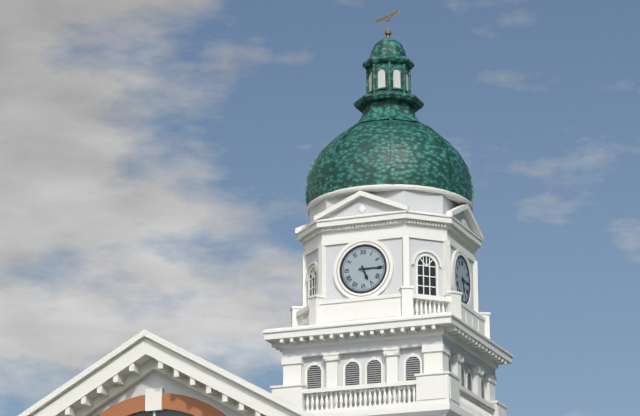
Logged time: 5.15
